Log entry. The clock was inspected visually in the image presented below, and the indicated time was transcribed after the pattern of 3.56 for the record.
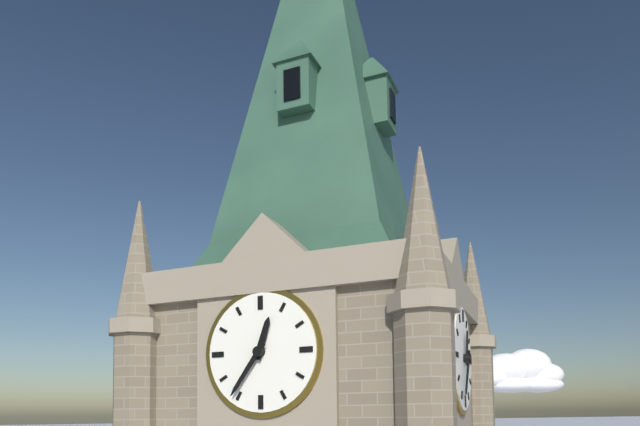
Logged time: 12.36
